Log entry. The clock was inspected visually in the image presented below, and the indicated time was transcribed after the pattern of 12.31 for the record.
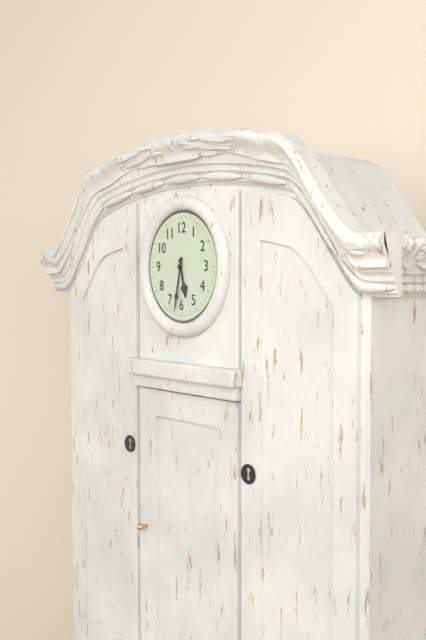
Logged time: 5.32
